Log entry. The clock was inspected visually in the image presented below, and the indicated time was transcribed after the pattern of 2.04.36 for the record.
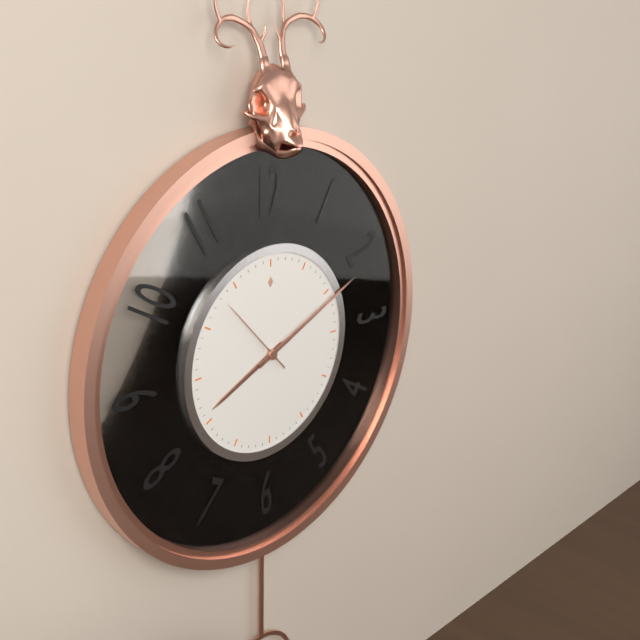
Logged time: 8.11.53
